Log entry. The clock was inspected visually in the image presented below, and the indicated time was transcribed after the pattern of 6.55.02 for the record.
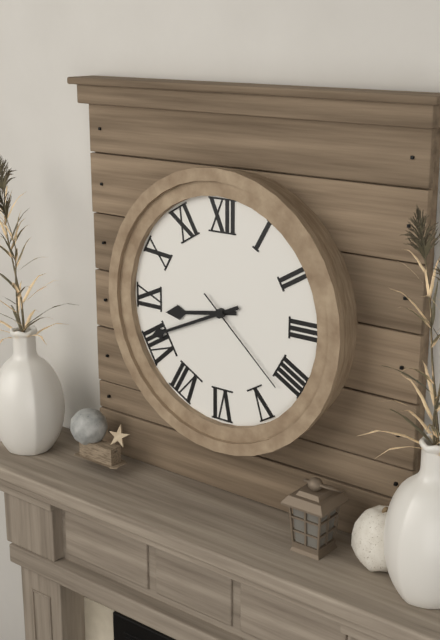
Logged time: 8.41.22
